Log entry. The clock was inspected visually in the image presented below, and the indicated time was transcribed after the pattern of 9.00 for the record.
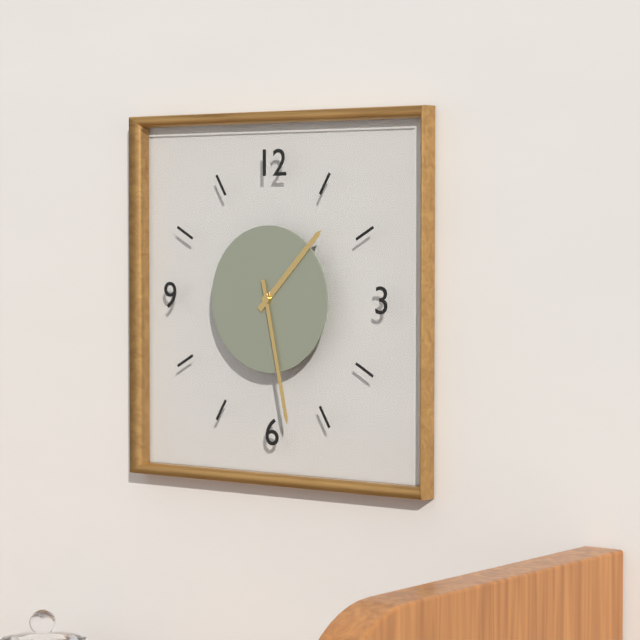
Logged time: 1.28
